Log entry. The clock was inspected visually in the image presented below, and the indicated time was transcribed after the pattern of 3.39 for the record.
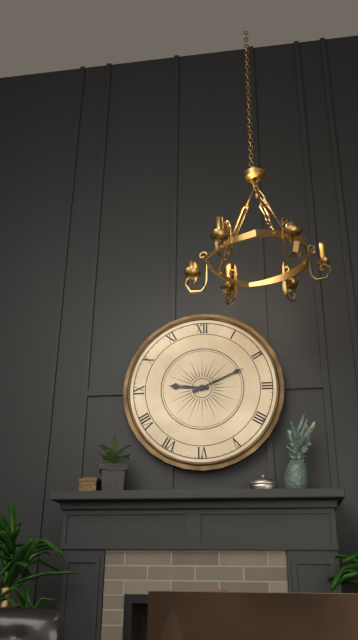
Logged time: 9.11
